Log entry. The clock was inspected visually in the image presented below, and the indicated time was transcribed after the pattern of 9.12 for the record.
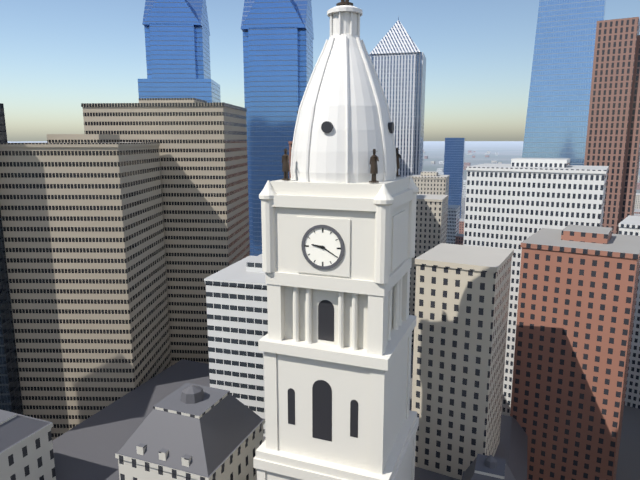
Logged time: 9.20
